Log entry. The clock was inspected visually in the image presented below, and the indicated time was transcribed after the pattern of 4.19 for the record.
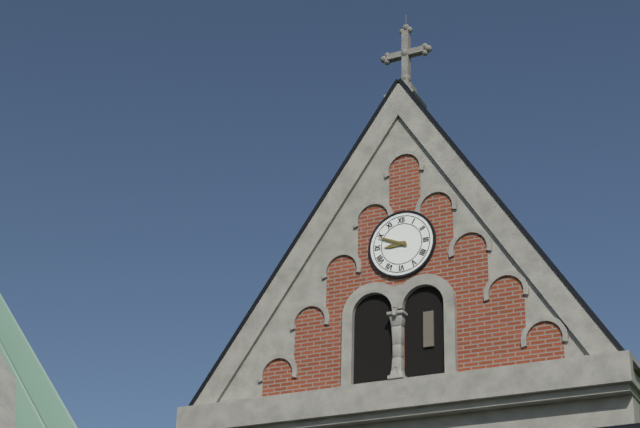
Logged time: 8.49
